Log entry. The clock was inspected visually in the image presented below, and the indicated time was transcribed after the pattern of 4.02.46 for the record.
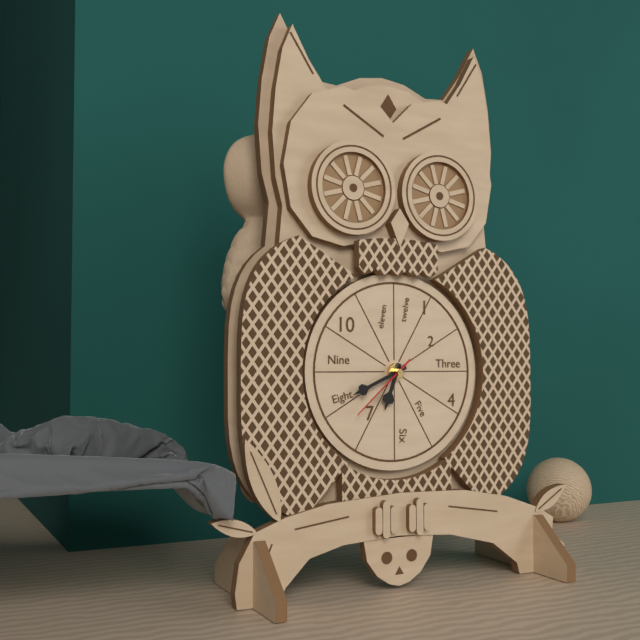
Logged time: 6.41.38
